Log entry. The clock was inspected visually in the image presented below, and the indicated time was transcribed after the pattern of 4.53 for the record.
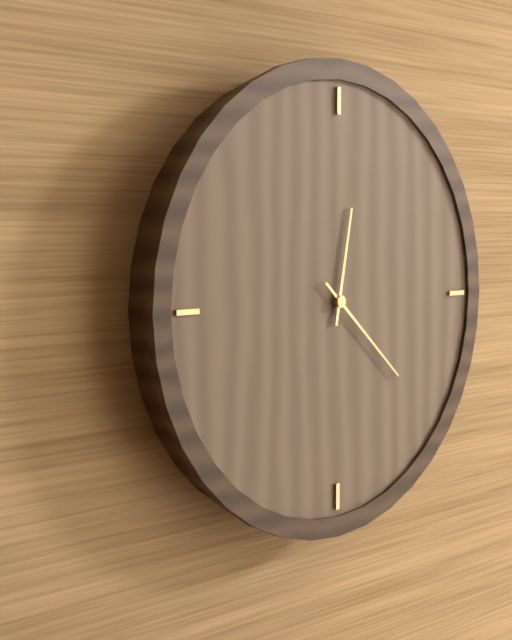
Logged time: 12.22
